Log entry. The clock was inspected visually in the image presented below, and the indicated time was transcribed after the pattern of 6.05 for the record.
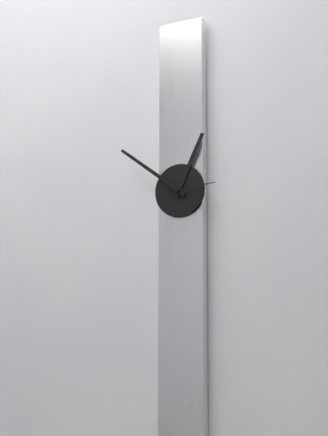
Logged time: 12.51
